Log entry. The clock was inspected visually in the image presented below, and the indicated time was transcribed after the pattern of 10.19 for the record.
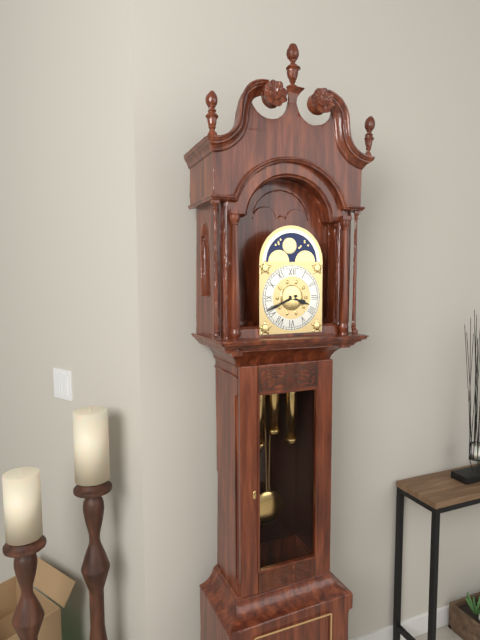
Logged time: 3.41
